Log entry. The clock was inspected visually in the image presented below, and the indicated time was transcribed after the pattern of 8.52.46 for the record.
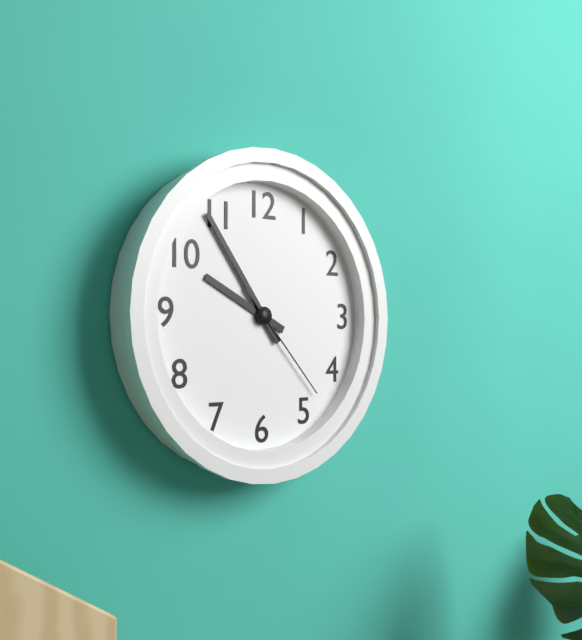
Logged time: 9.54.23
